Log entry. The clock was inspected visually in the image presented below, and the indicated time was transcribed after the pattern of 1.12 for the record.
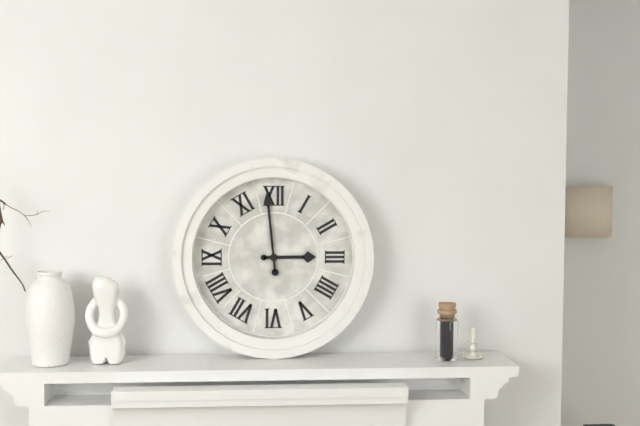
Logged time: 2.59
